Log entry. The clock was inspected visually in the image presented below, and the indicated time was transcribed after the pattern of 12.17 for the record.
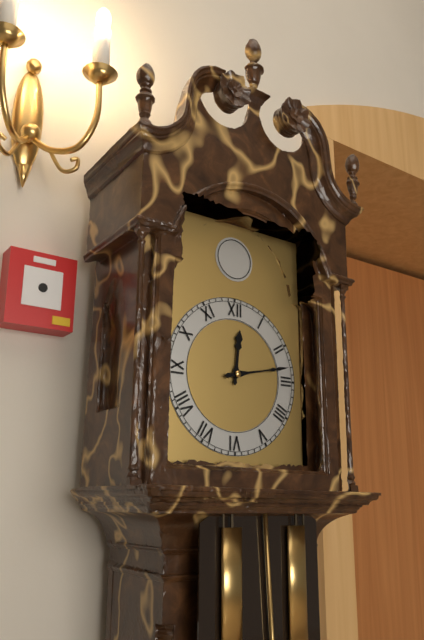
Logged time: 12.13
